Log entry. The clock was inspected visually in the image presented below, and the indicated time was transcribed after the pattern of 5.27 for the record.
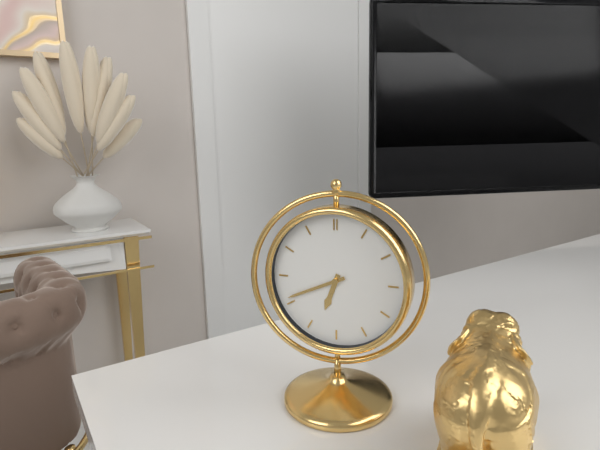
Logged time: 6.41
